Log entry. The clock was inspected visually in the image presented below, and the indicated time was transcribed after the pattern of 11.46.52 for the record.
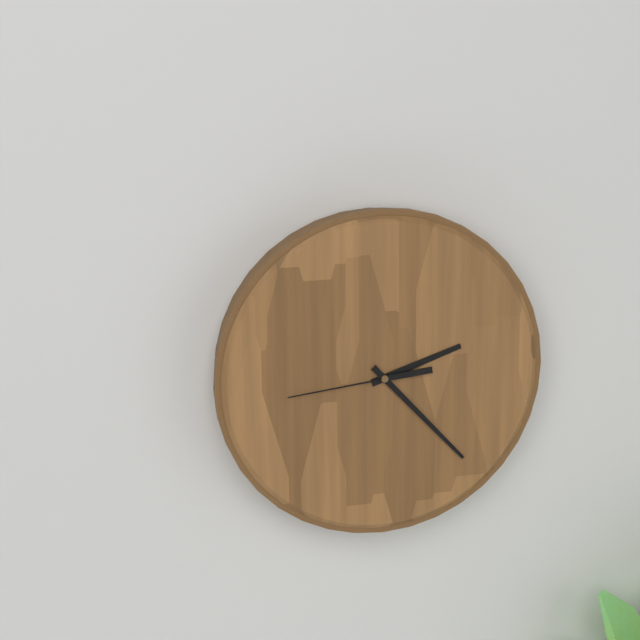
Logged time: 2.23.44
